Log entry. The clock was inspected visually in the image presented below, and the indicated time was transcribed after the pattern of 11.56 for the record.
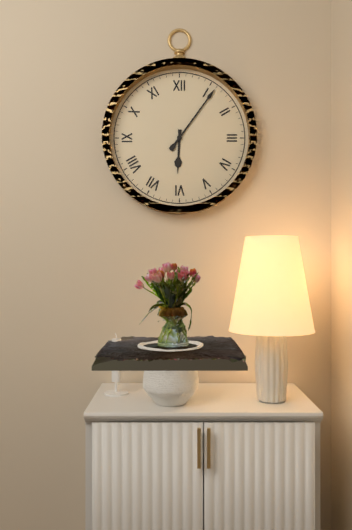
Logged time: 6.06
